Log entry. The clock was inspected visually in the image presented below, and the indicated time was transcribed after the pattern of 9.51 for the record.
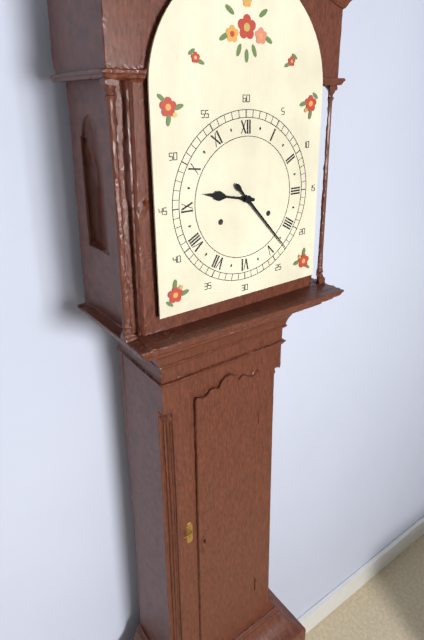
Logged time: 9.23
